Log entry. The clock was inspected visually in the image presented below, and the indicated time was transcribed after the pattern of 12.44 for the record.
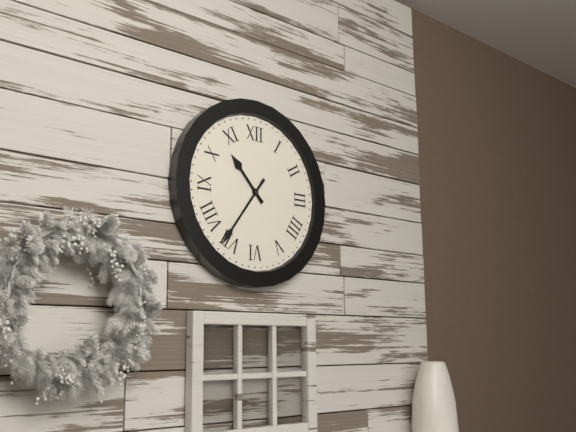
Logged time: 10.36
